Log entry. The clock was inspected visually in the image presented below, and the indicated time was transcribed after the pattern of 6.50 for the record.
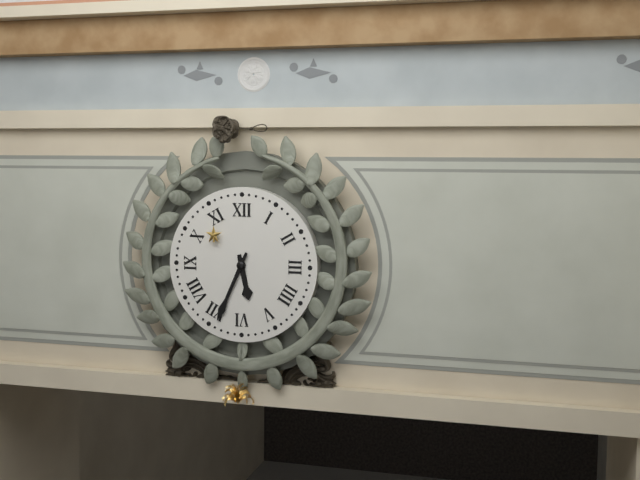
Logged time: 5.34
